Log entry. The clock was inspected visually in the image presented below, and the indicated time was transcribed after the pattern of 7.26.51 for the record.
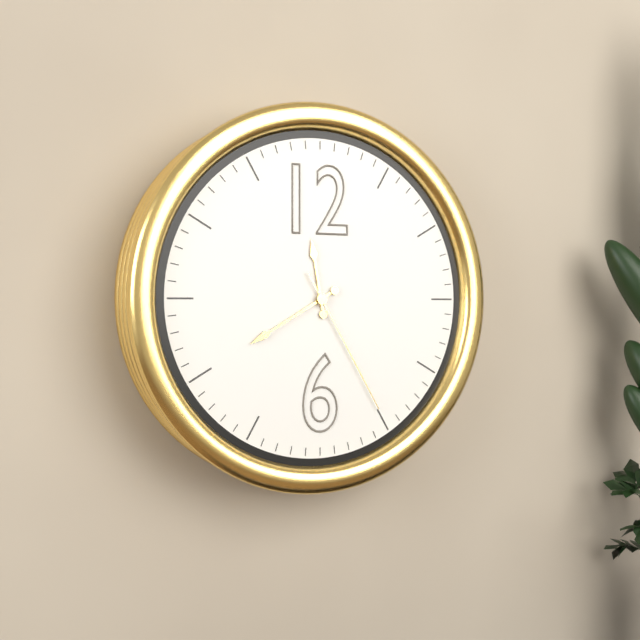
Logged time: 11.40.25
